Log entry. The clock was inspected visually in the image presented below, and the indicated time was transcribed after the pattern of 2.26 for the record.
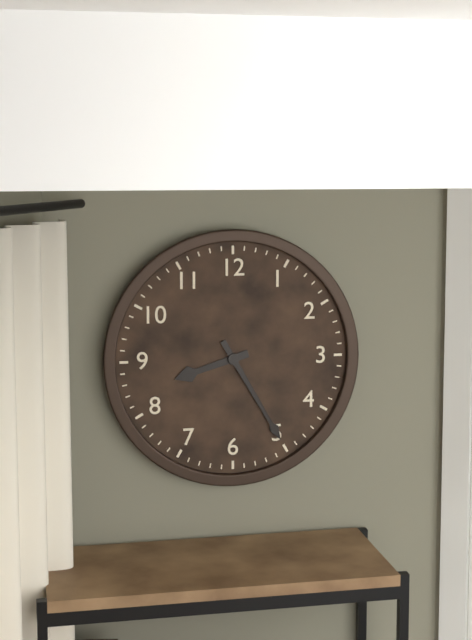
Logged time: 8.25
